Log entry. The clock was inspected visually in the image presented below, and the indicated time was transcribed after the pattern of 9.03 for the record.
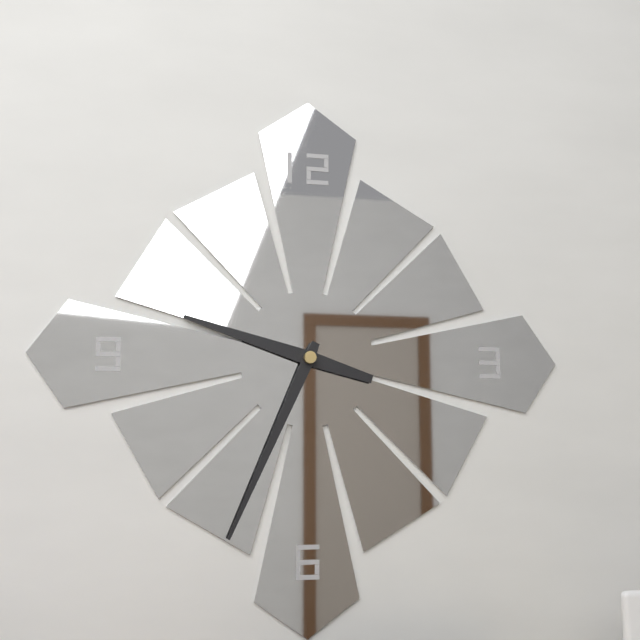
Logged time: 9.34
